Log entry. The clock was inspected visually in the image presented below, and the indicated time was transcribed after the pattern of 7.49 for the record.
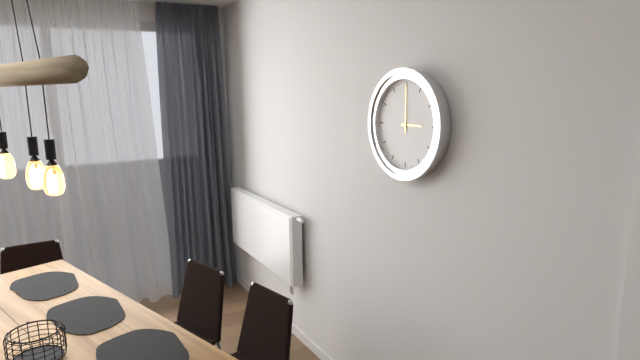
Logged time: 3.00
